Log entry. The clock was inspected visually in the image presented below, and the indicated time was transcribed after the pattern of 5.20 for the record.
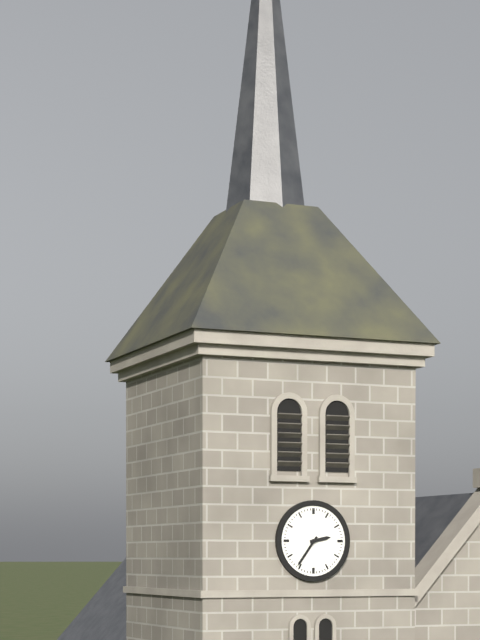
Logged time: 2.36
